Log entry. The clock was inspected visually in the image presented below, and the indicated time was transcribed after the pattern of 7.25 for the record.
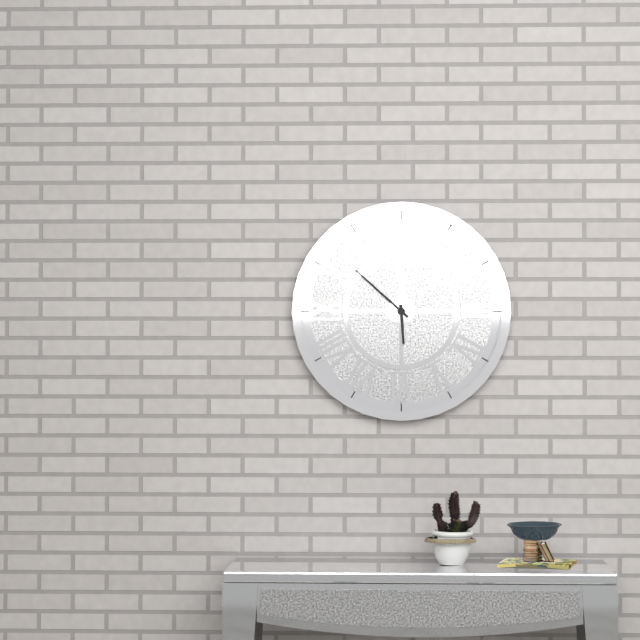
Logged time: 5.52
